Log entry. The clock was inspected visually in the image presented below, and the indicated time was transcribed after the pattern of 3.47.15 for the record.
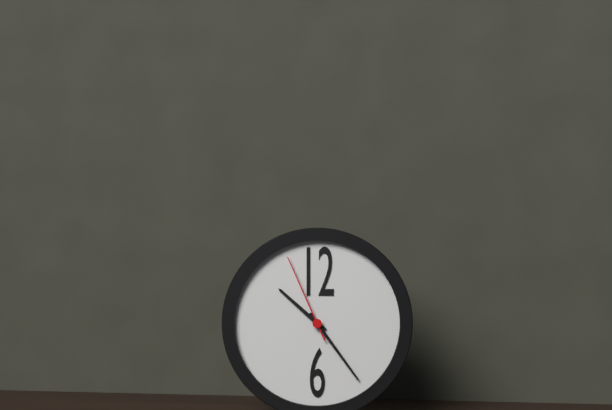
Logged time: 10.24.56
